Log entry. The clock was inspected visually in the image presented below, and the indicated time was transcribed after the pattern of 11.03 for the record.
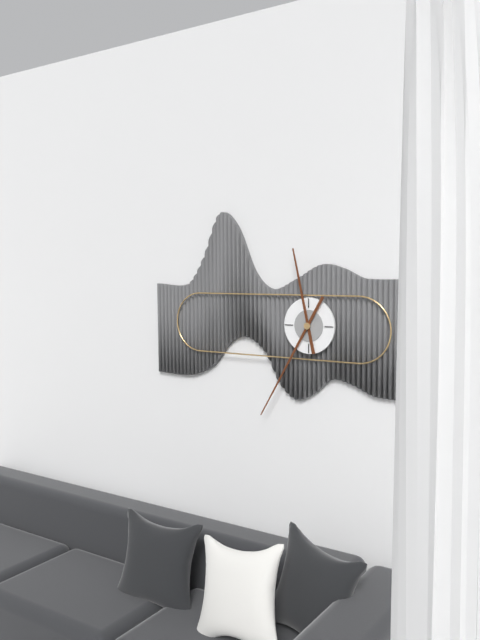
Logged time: 11.35
